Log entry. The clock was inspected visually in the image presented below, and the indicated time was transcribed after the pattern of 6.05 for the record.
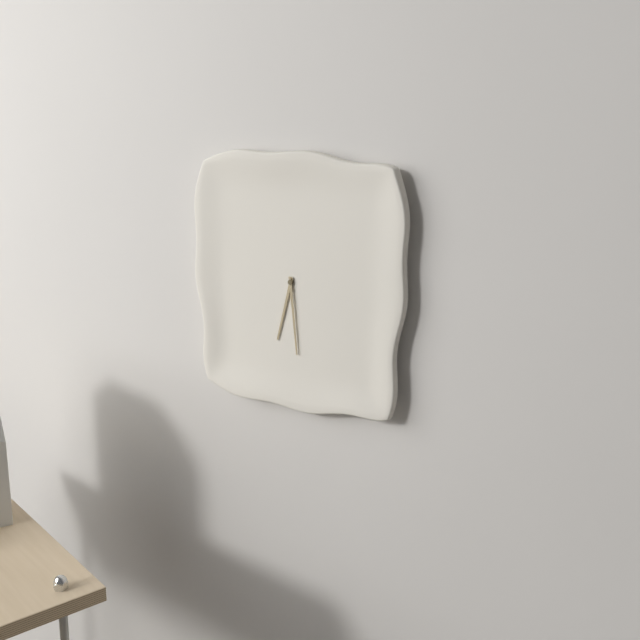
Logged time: 6.29
